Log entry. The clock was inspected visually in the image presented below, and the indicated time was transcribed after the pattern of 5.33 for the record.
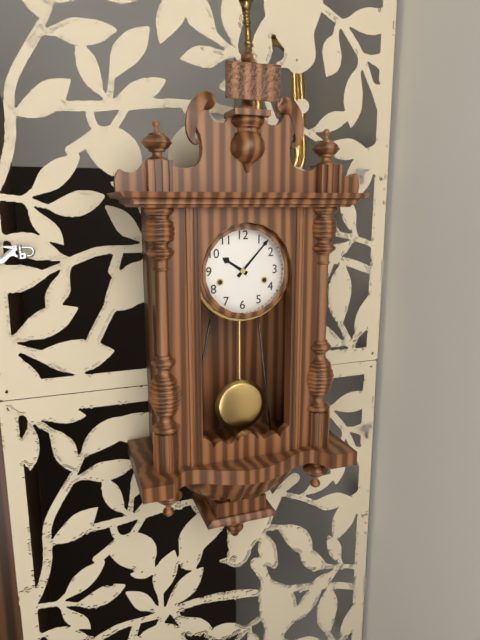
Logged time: 10.07
